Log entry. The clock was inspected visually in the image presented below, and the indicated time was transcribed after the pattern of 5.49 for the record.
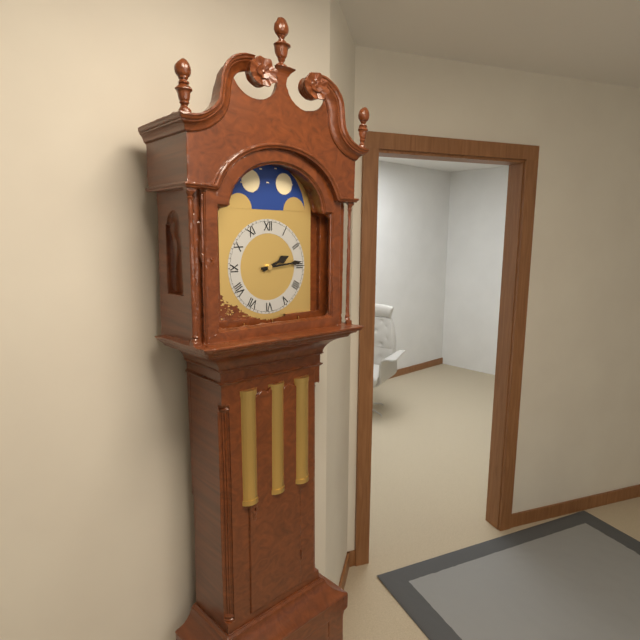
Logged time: 2.14
